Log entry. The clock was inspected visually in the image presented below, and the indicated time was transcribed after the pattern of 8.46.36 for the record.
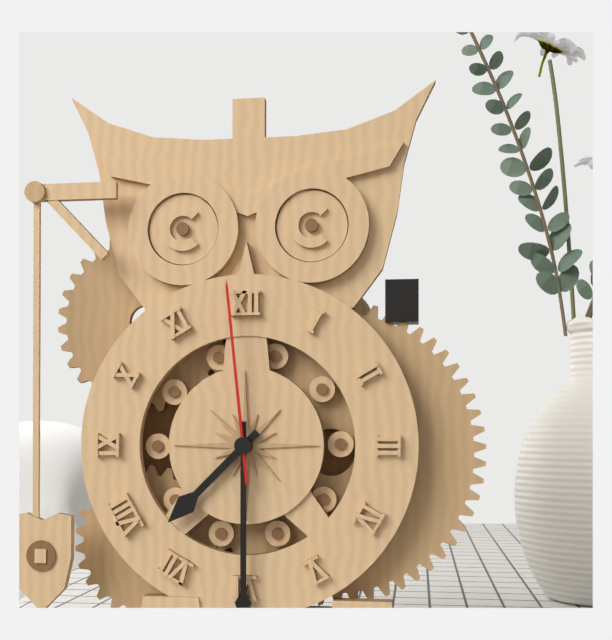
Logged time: 7.30.59
